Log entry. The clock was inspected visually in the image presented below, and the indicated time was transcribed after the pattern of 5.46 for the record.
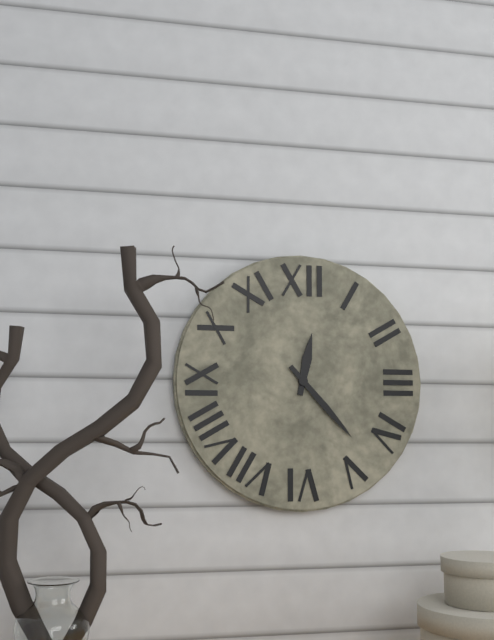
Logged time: 12.23
